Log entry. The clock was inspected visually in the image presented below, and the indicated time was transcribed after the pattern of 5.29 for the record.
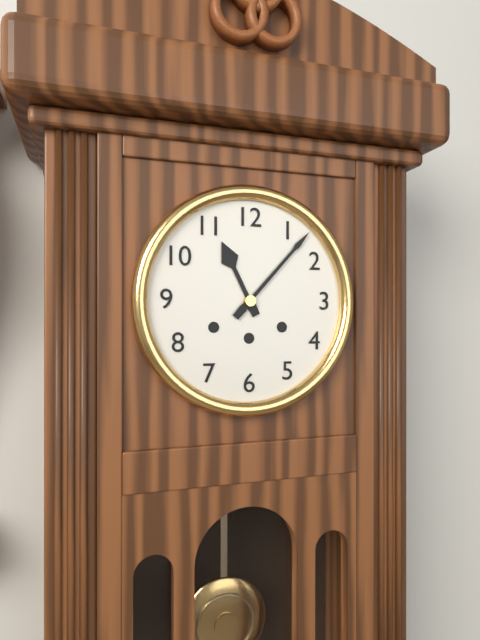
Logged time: 11.07
